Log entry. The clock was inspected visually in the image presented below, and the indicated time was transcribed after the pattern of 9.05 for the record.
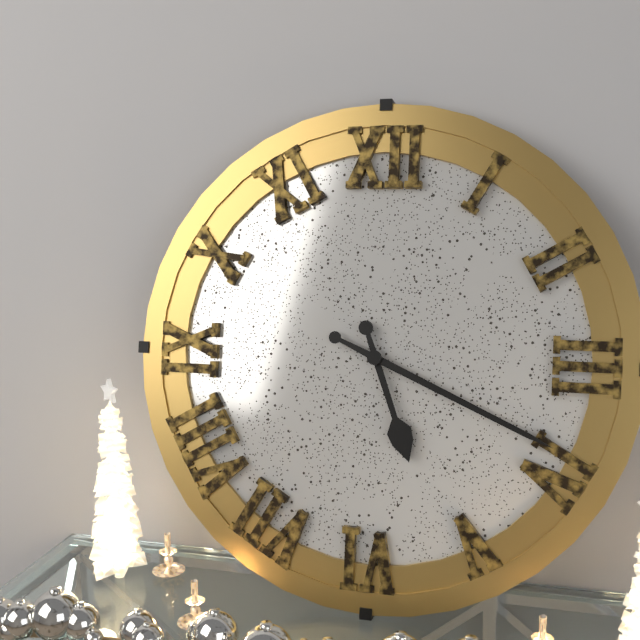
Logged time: 5.19
